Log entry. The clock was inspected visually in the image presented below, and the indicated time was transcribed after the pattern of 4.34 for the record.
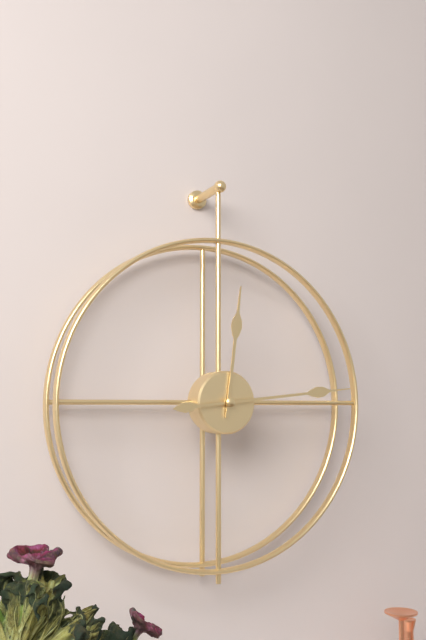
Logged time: 12.14
